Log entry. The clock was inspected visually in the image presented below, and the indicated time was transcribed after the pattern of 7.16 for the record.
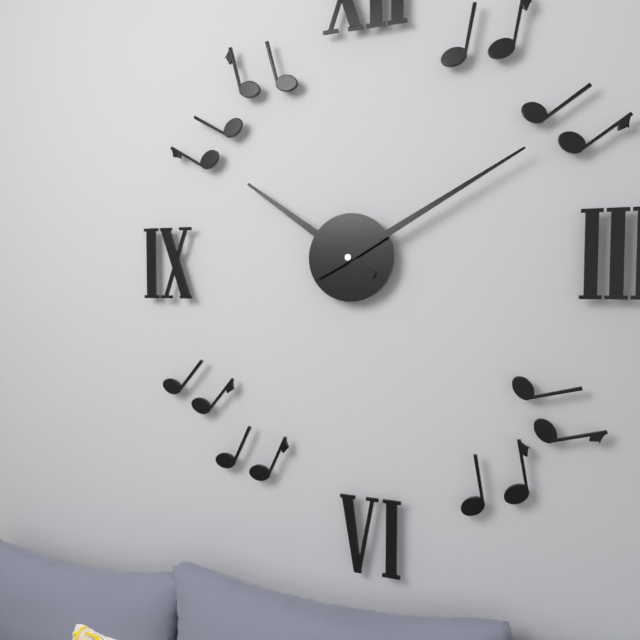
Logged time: 10.10
